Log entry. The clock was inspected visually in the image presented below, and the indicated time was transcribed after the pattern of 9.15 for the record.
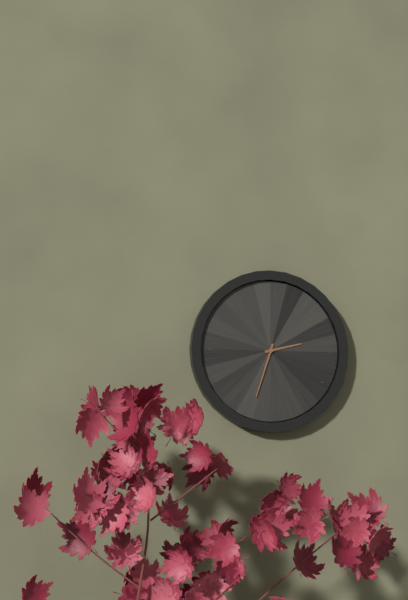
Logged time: 2.33
